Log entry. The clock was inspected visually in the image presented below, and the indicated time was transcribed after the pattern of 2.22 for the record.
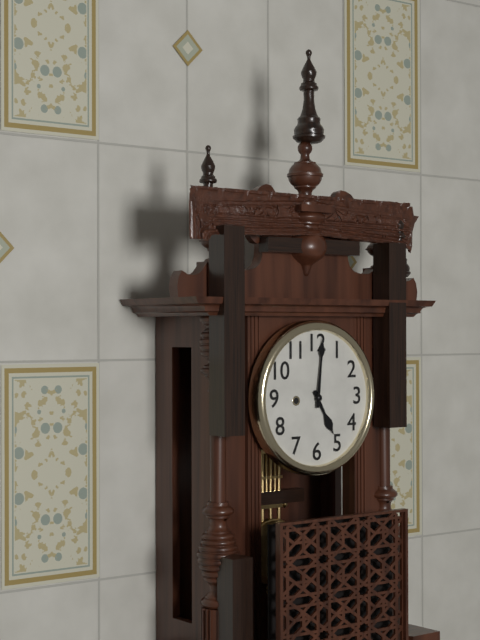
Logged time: 5.01
